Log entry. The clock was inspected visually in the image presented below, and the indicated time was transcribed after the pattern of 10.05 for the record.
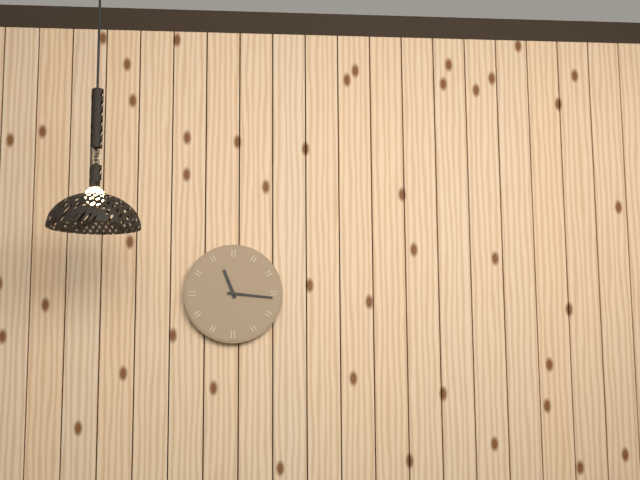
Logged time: 11.16
